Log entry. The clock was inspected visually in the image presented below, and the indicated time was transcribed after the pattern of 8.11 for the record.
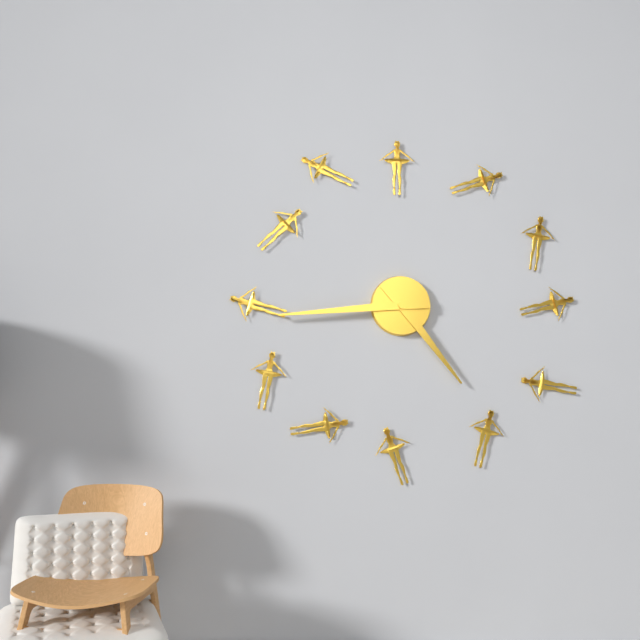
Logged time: 4.44
